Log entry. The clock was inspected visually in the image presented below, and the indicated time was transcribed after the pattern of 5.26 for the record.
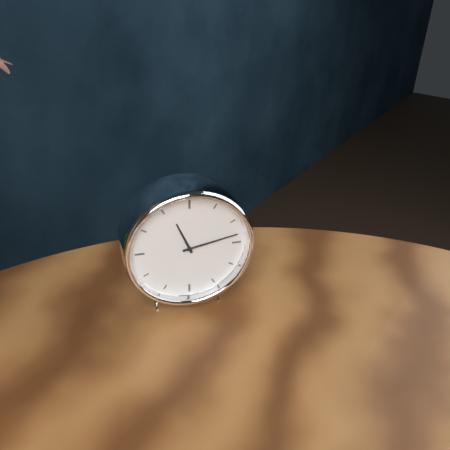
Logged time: 11.13
